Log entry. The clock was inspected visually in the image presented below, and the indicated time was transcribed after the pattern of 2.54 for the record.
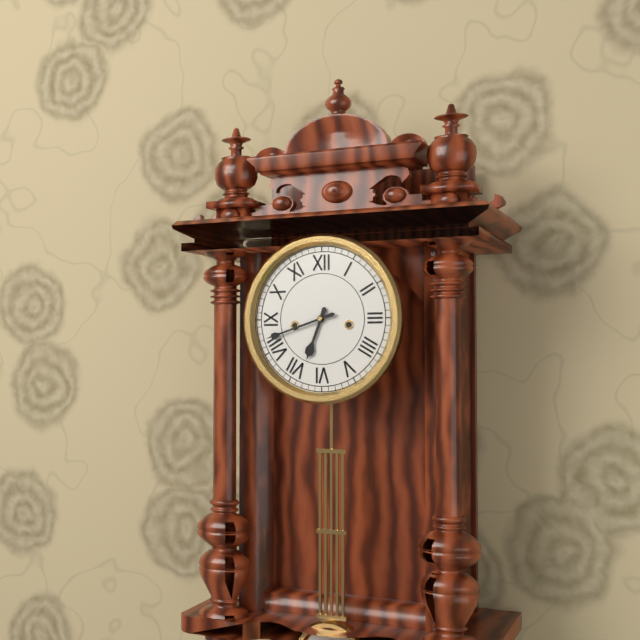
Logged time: 6.42
